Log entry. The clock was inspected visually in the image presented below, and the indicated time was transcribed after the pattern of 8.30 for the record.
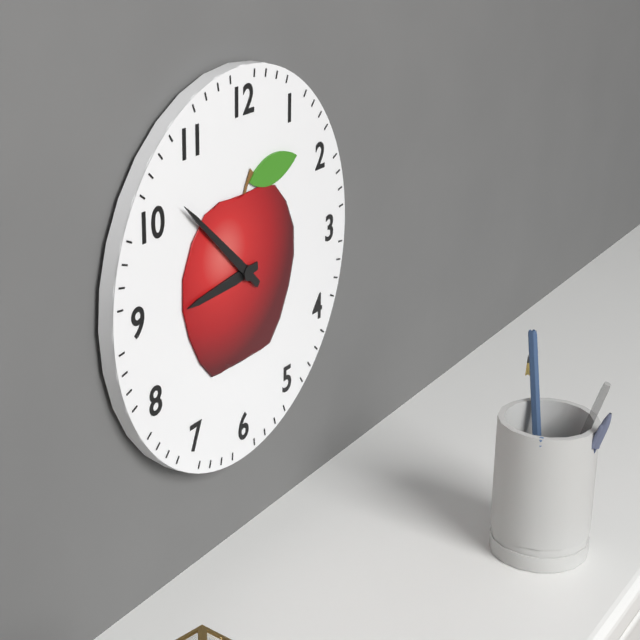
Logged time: 8.52
